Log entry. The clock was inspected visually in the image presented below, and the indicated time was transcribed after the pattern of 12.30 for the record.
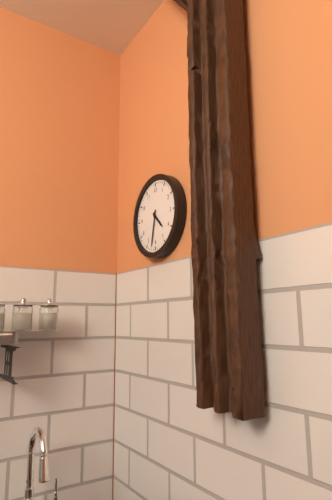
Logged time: 4.32
